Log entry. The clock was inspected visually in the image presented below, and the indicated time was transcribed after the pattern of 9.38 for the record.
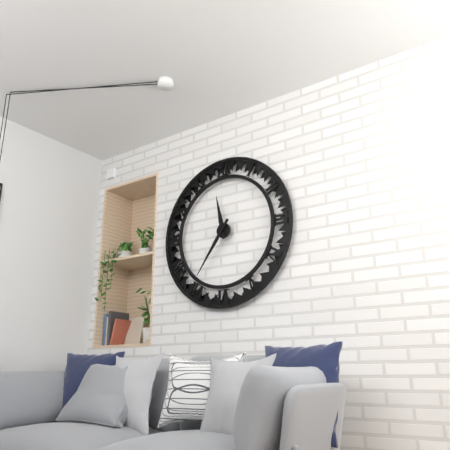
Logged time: 11.36
